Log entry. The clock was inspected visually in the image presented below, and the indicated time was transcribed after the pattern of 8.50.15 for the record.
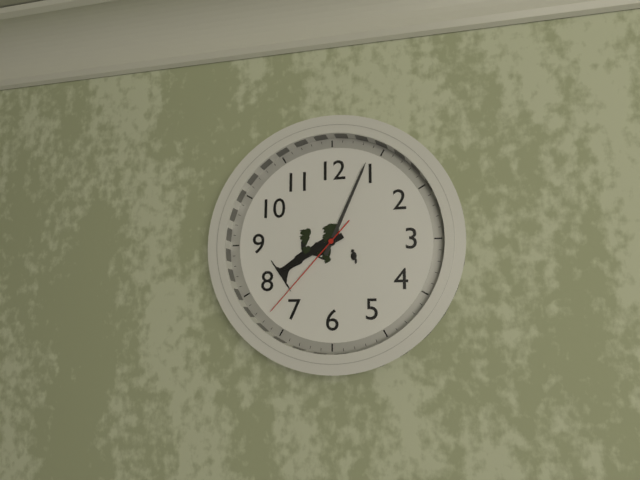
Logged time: 8.04.37
